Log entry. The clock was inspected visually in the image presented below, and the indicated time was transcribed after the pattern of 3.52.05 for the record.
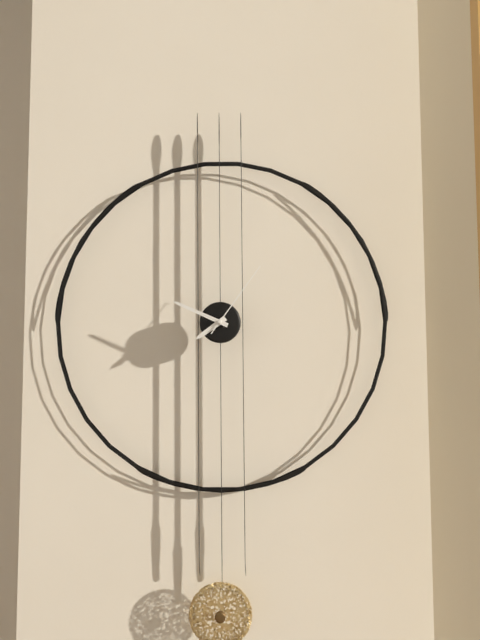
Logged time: 7.49.06
